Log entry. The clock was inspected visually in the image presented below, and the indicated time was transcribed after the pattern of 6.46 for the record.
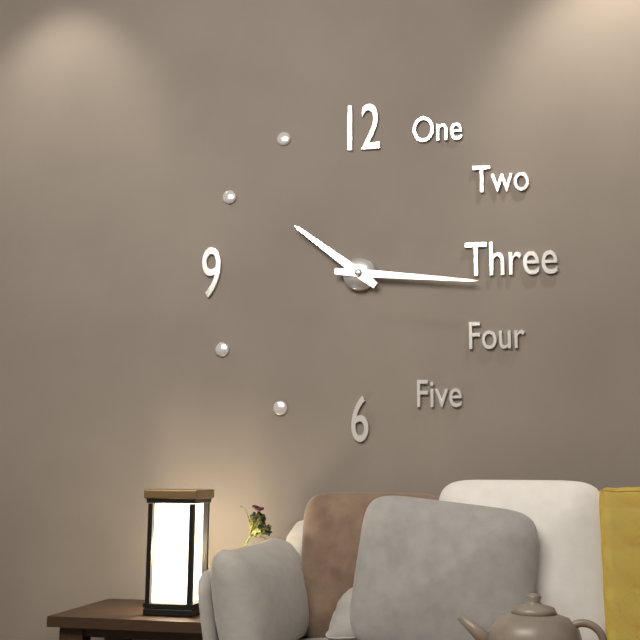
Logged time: 10.16
